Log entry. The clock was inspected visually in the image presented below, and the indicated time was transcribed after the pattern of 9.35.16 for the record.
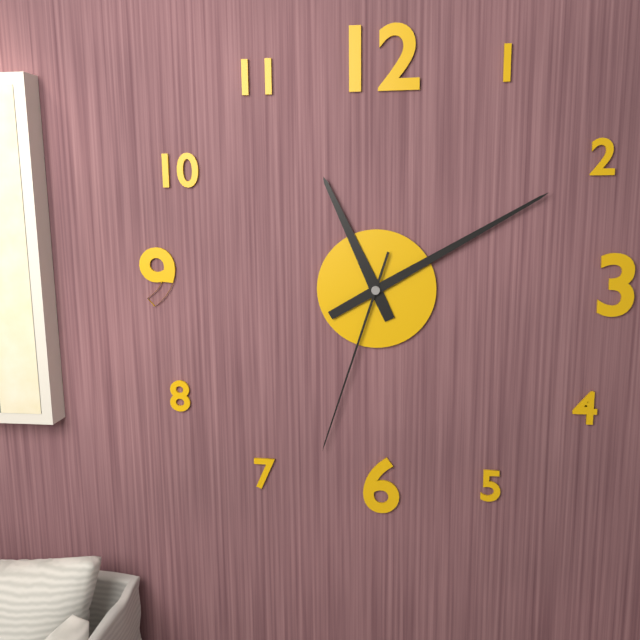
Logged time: 11.10.33
